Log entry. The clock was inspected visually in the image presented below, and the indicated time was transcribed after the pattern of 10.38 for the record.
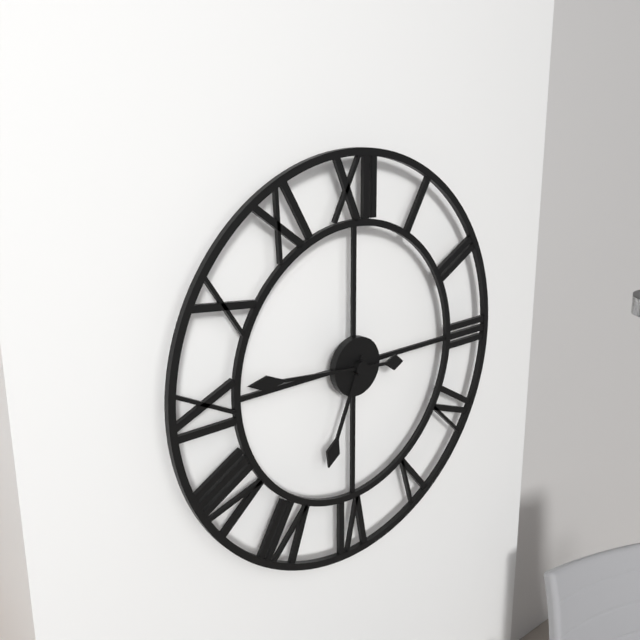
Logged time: 6.46
